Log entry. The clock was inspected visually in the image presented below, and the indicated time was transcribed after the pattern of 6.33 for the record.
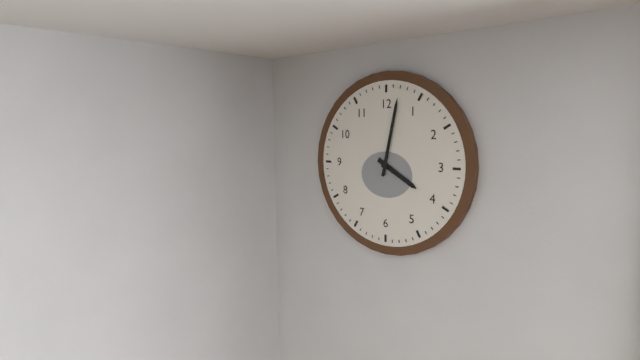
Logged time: 4.02
